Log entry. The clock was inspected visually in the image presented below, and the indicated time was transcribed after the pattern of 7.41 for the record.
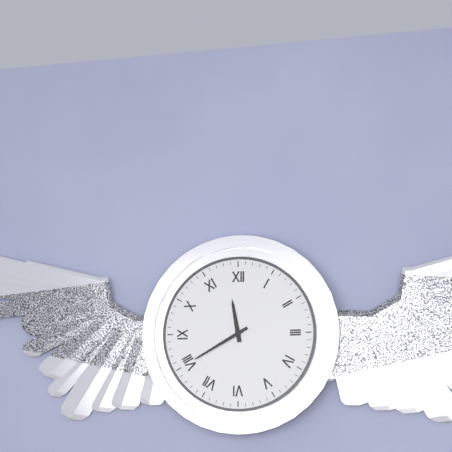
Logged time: 11.40
